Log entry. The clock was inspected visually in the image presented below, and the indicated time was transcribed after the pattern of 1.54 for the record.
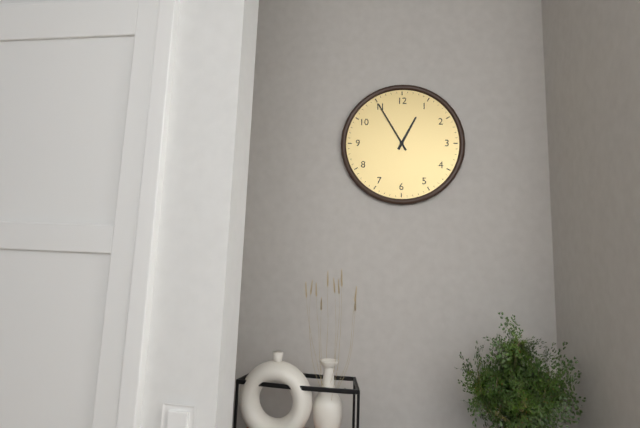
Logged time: 12.55
